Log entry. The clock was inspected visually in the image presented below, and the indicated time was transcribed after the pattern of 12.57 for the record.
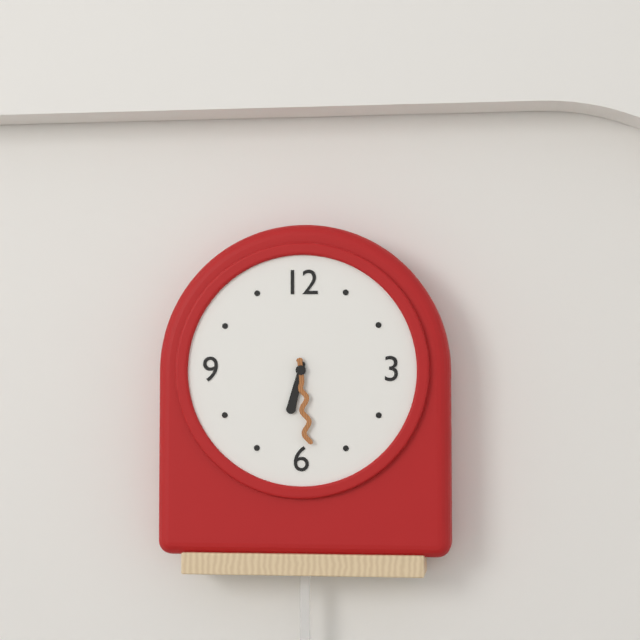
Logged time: 6.29
